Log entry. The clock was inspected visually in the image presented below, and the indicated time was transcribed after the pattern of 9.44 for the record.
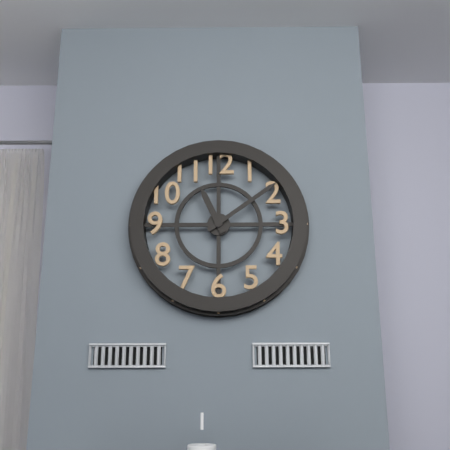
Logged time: 11.09
